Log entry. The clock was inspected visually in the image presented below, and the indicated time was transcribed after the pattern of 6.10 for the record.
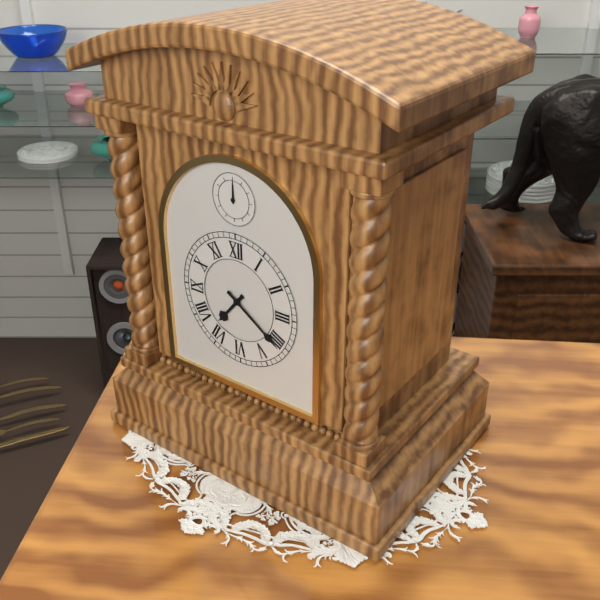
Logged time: 7.21
